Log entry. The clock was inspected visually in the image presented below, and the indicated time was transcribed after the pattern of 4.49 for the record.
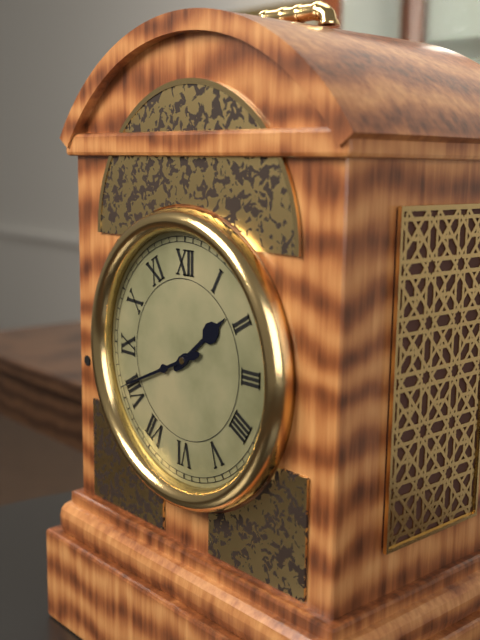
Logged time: 1.41
